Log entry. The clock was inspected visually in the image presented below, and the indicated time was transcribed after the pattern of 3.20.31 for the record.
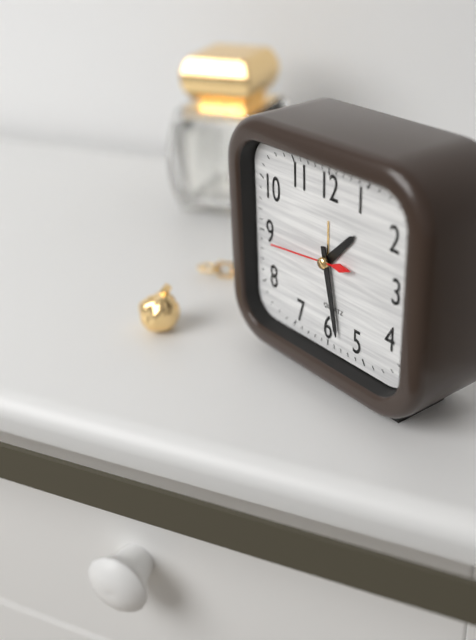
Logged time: 1.28.44
